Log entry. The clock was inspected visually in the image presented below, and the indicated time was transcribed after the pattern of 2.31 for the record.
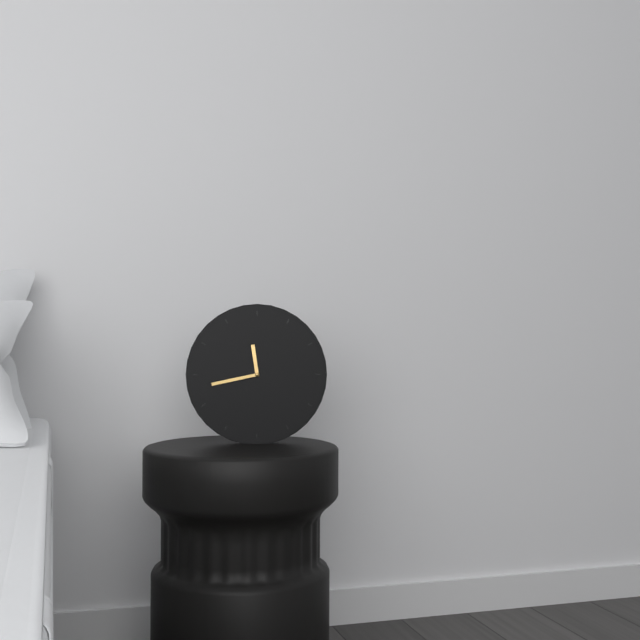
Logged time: 11.43
